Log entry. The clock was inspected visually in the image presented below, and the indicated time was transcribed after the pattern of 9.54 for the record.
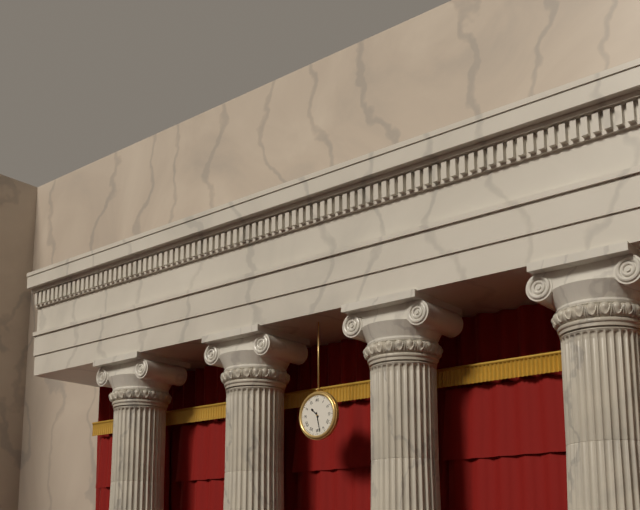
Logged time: 10.28
